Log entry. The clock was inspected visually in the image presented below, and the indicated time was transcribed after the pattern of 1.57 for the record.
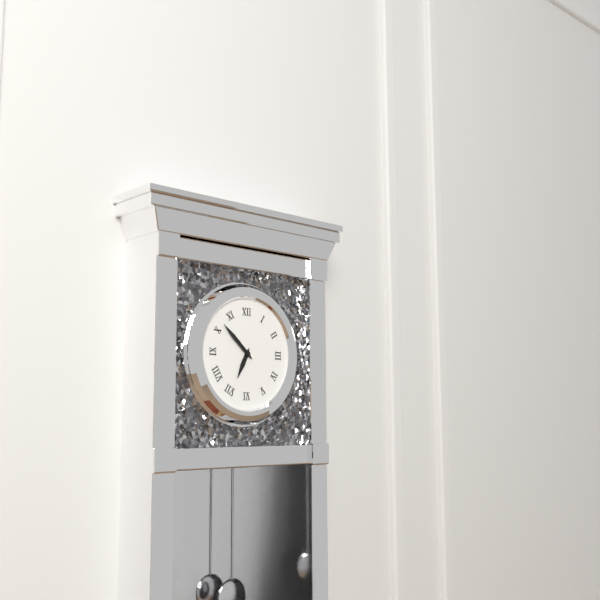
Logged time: 6.52
